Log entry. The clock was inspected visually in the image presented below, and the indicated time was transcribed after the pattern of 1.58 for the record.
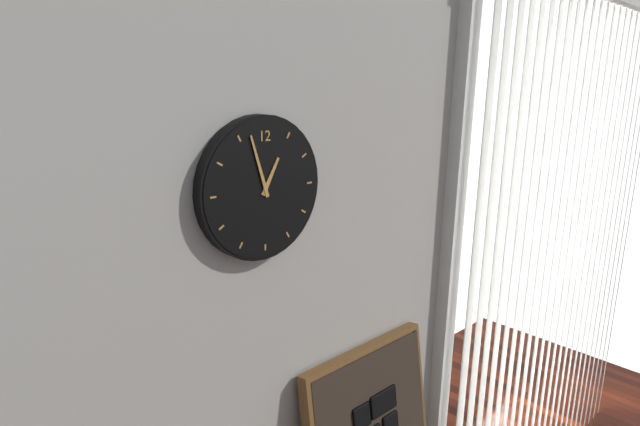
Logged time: 12.57
